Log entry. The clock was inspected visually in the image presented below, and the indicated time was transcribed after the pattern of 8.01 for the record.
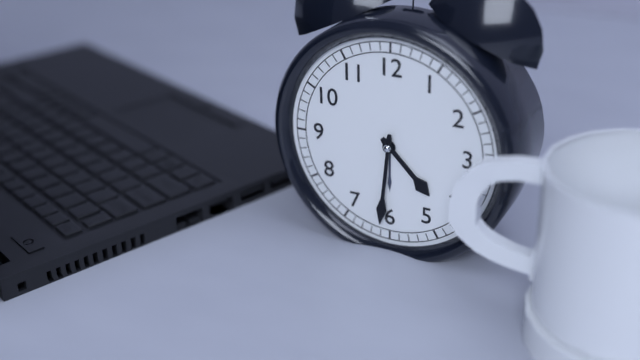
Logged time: 4.31
